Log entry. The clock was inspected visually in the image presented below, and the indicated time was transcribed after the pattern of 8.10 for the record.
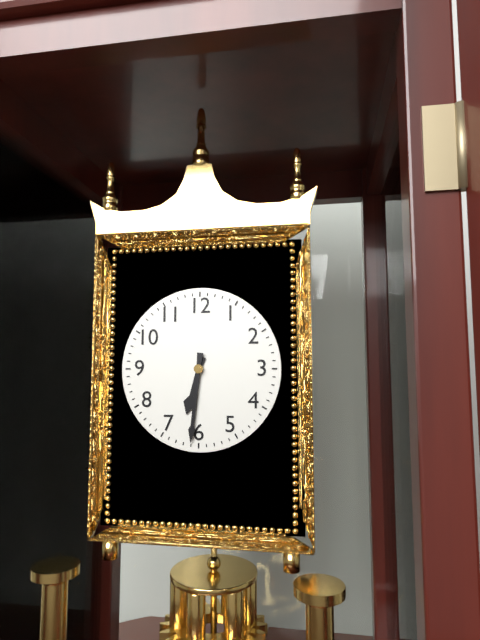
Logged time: 6.31
